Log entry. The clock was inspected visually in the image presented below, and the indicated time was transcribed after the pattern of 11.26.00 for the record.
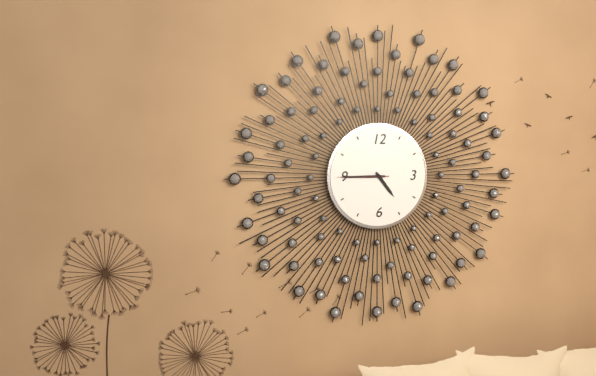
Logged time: 4.45.45
